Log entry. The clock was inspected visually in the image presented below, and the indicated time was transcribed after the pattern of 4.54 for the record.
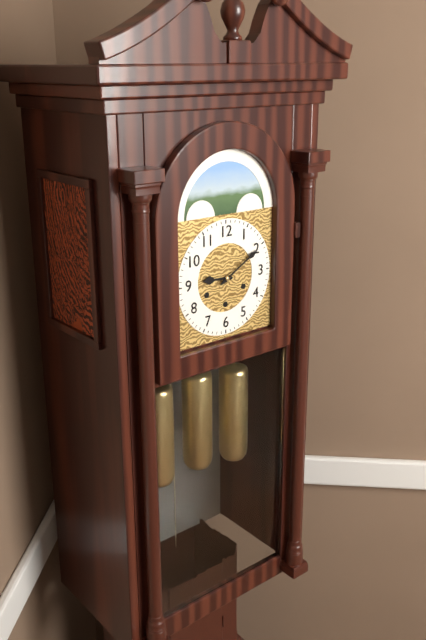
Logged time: 9.10
